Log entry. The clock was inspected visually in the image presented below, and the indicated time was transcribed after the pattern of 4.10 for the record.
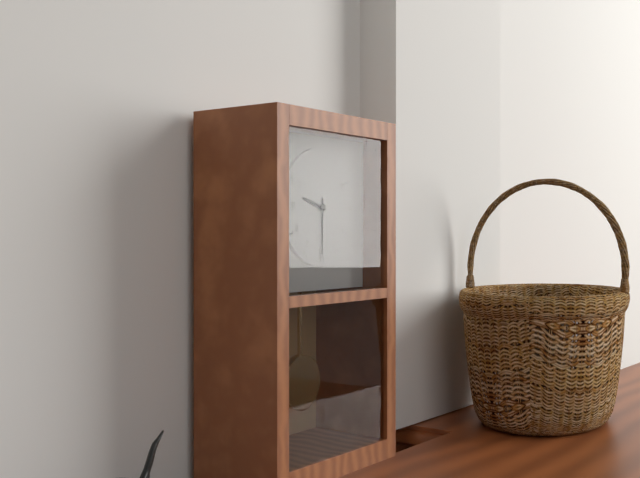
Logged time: 9.30
